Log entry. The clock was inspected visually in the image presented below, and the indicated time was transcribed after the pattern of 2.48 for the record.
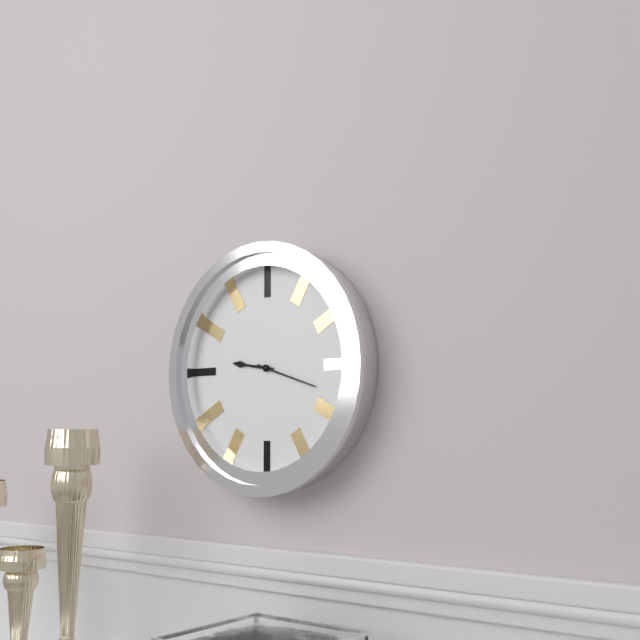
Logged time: 9.18
